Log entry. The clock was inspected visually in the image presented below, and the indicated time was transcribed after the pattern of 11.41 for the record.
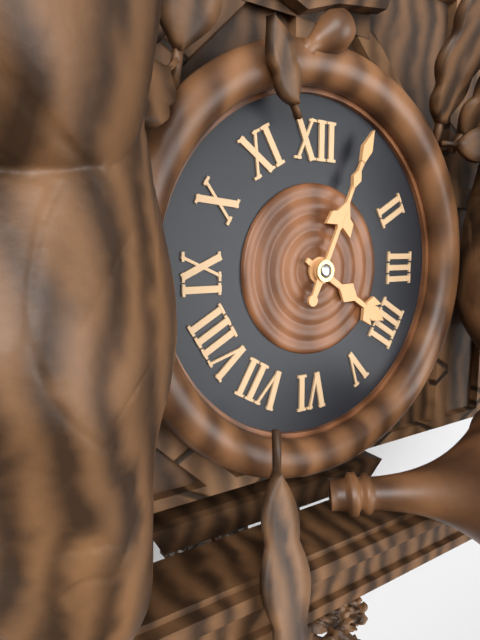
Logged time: 4.04
